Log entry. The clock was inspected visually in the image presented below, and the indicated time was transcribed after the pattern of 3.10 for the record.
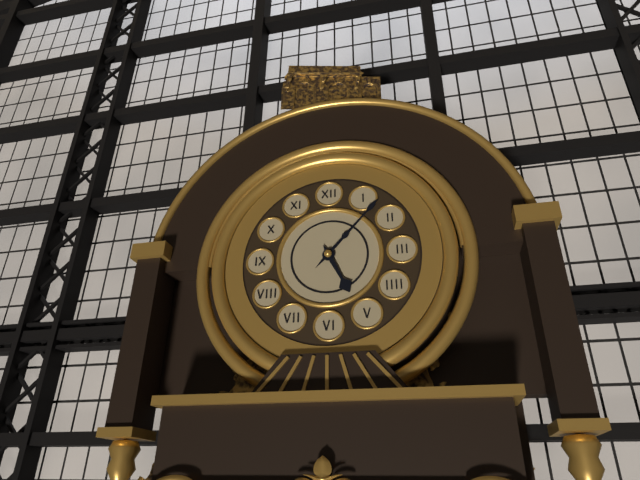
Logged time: 5.07
